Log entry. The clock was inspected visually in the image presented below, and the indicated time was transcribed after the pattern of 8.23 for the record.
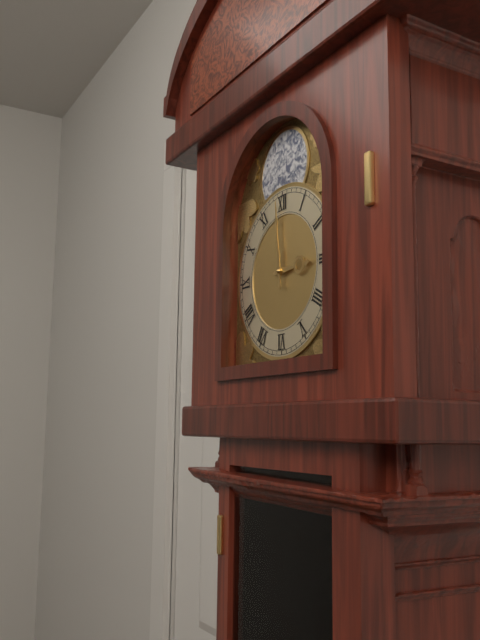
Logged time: 2.59
